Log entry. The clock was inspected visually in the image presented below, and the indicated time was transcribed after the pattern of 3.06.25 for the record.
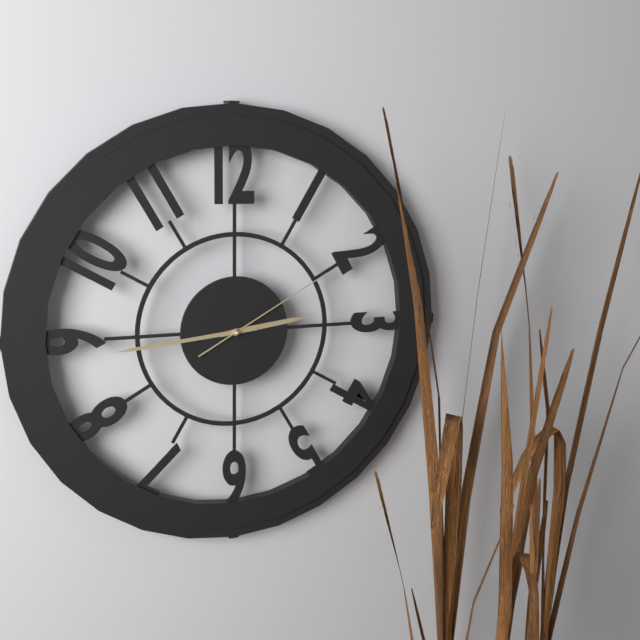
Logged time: 2.44.10
